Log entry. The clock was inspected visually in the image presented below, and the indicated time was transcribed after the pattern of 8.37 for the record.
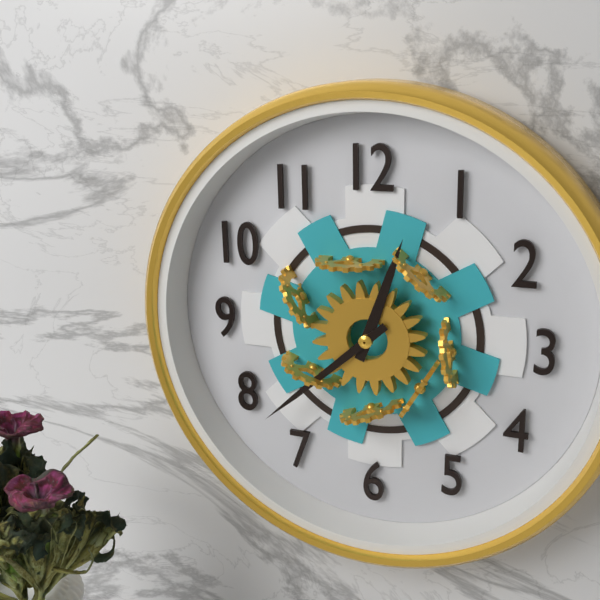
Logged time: 12.38
